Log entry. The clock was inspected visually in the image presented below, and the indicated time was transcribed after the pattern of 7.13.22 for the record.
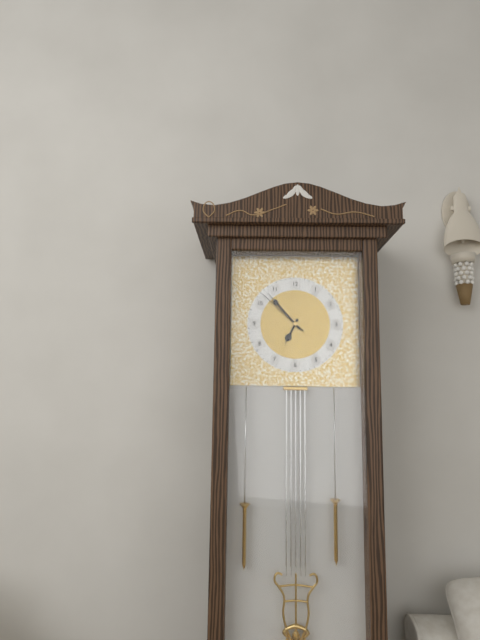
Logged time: 6.53.52
